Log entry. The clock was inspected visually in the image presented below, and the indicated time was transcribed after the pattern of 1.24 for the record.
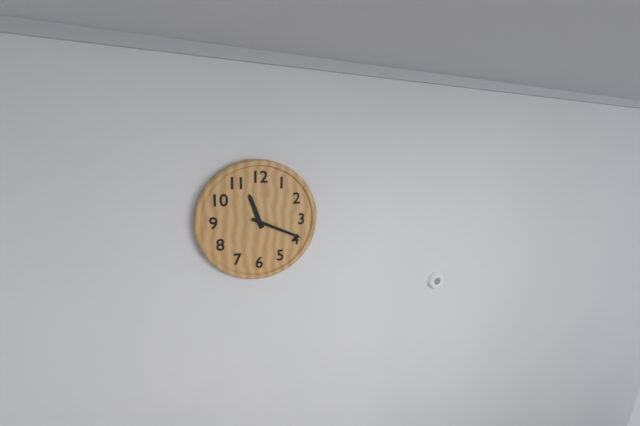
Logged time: 11.19
